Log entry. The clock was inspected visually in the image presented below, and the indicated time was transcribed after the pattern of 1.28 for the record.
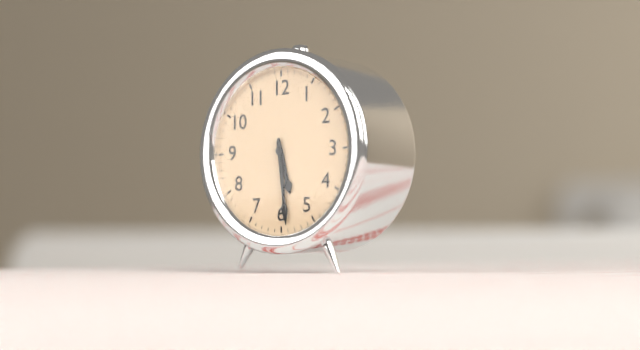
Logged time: 5.29
